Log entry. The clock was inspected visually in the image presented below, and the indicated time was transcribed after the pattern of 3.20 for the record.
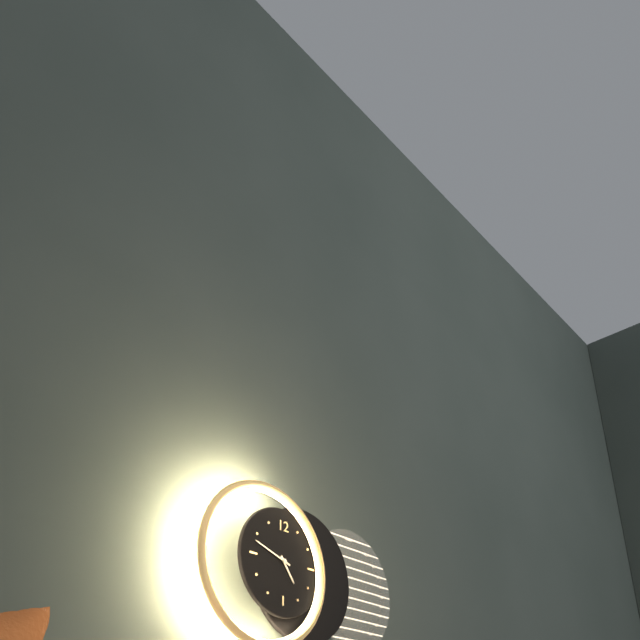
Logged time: 4.48
